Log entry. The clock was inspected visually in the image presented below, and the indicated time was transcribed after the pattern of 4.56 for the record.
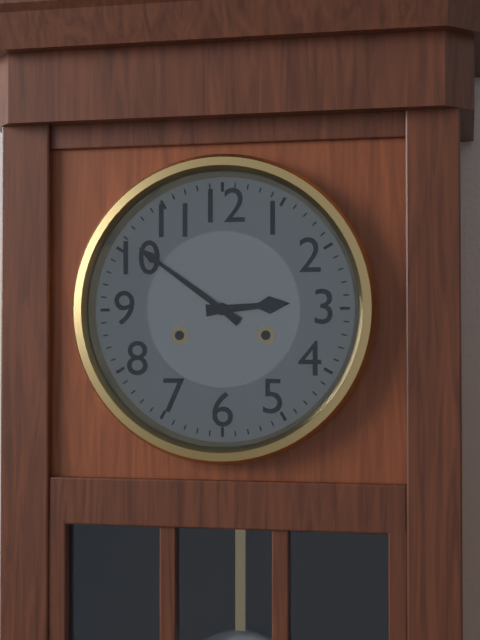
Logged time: 2.51
